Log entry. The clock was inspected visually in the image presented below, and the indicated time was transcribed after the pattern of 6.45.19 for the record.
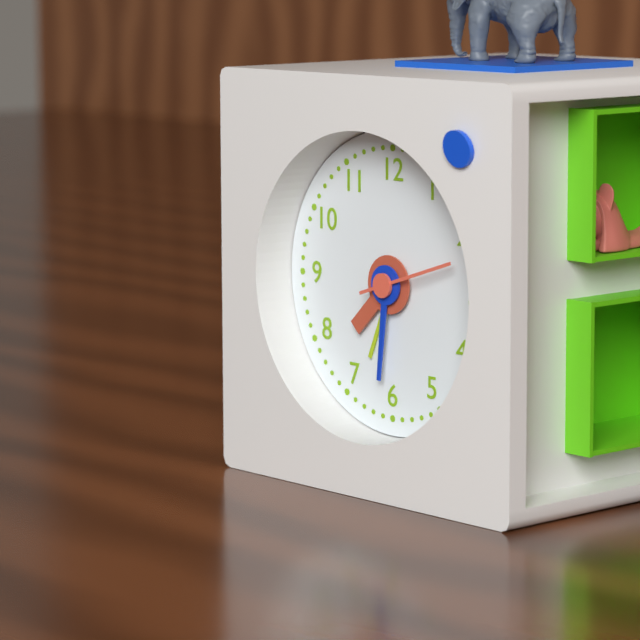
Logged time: 7.31.12
